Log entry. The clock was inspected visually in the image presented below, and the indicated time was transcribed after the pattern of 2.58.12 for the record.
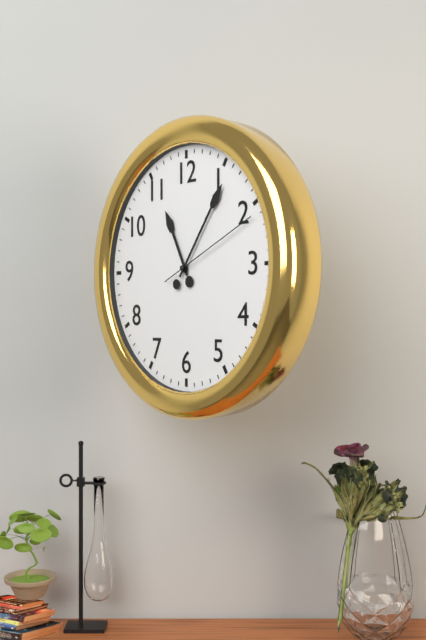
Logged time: 11.06.11
